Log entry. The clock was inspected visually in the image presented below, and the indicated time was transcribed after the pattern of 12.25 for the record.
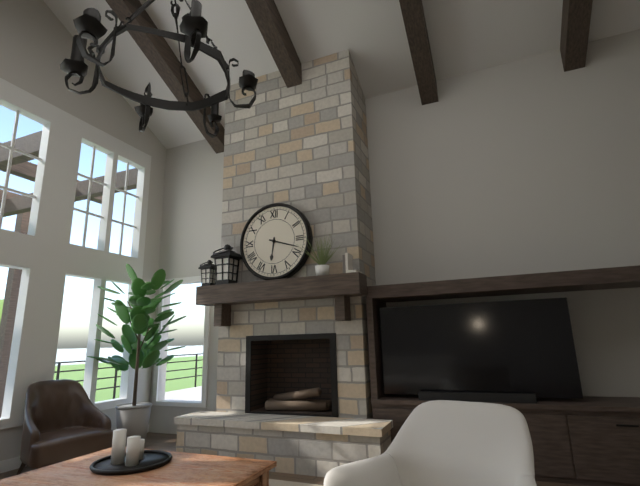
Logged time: 6.18
